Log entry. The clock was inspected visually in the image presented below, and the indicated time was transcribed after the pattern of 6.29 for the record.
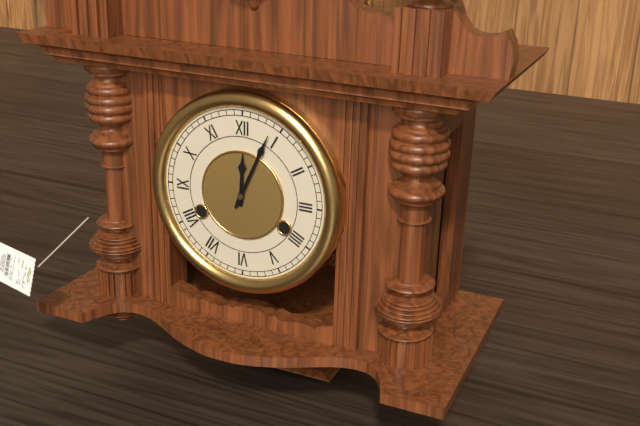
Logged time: 12.04
